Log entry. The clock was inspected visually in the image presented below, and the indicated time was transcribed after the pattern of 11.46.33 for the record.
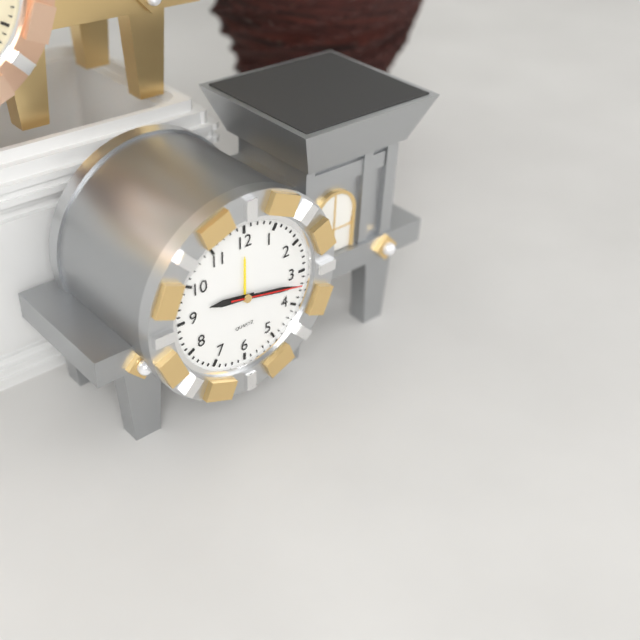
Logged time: 9.17.17
